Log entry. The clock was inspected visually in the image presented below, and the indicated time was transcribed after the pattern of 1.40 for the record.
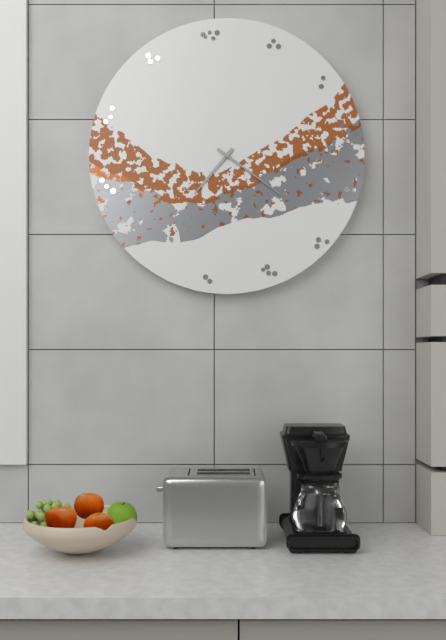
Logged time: 7.21
